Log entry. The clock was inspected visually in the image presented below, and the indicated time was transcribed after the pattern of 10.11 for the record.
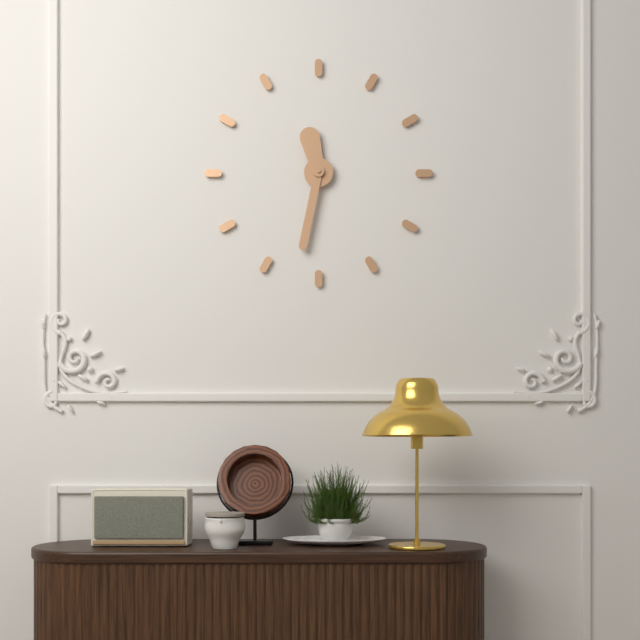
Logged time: 11.32
